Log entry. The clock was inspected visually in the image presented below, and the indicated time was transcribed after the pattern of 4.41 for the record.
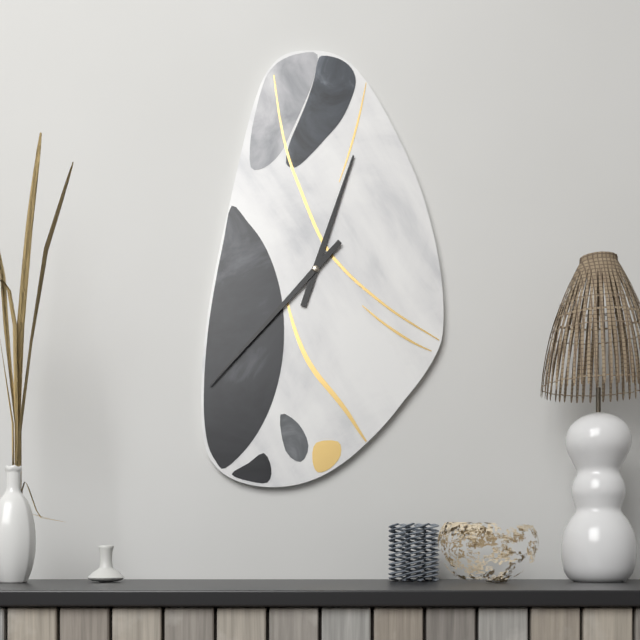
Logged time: 12.37
